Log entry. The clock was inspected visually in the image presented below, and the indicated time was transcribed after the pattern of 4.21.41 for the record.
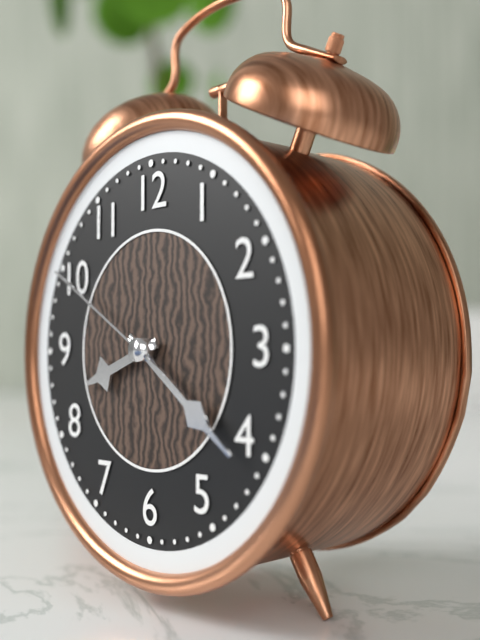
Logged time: 8.21.50
